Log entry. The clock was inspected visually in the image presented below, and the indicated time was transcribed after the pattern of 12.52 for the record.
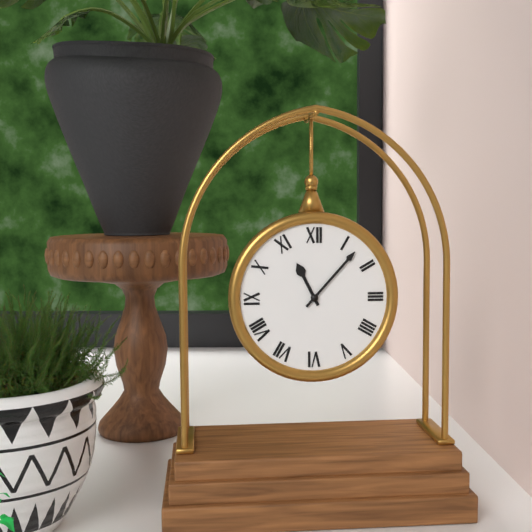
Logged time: 11.07
